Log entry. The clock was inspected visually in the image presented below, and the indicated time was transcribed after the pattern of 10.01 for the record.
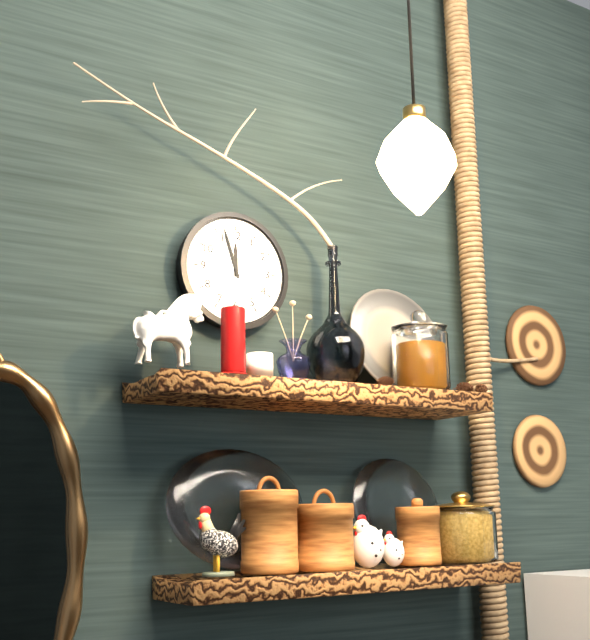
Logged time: 11.57
